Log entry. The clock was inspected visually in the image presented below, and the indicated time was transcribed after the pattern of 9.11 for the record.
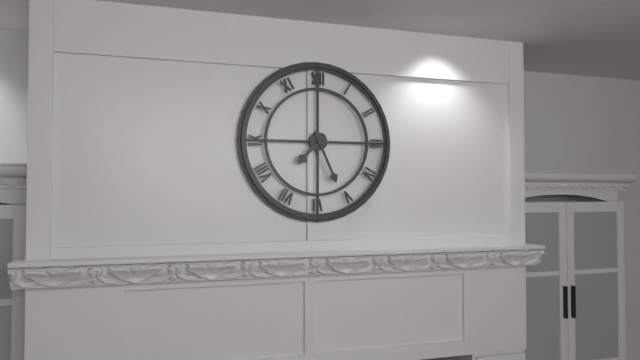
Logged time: 7.26
